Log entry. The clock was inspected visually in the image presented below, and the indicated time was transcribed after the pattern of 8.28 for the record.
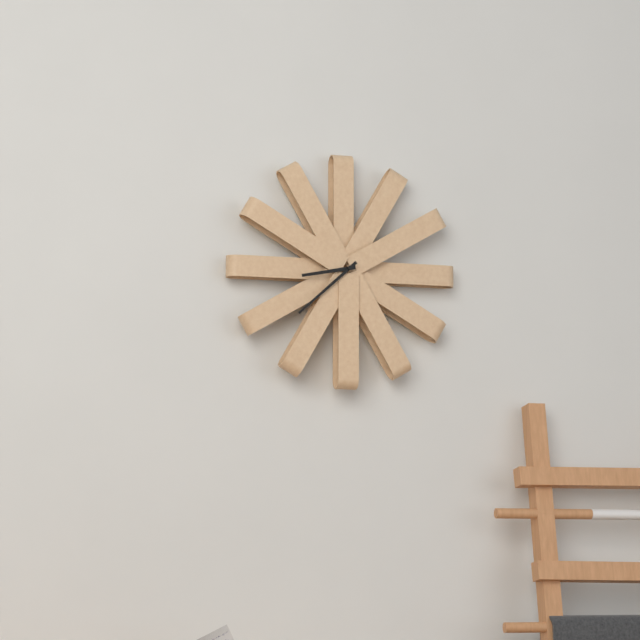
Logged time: 8.38
